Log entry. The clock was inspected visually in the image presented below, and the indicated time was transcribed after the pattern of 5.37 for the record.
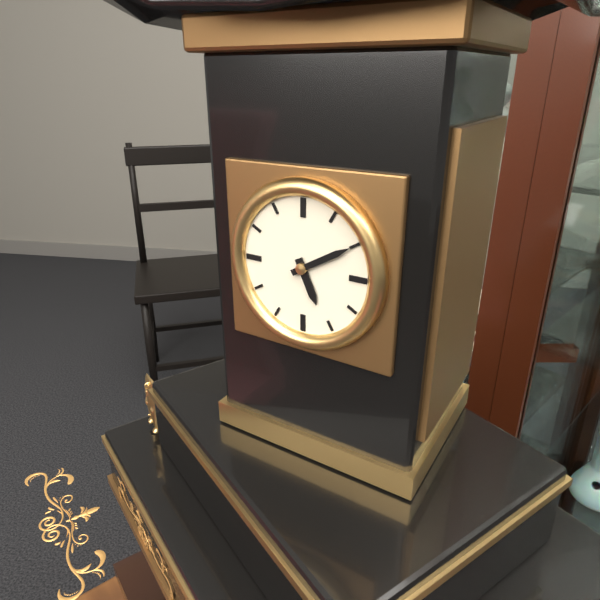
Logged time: 5.10
